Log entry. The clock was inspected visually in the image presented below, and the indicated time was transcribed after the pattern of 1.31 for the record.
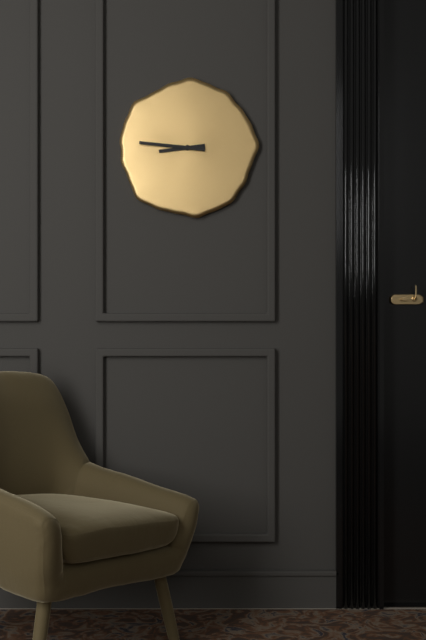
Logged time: 8.46
